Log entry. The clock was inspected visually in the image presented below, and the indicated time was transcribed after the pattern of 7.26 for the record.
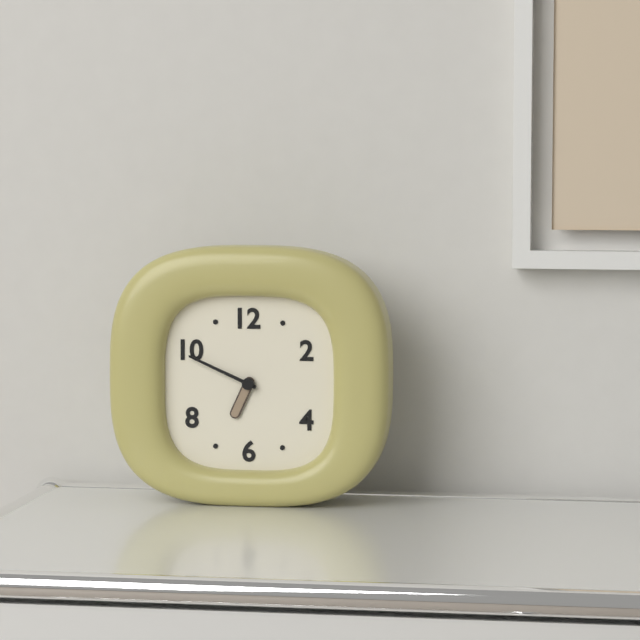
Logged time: 6.49
